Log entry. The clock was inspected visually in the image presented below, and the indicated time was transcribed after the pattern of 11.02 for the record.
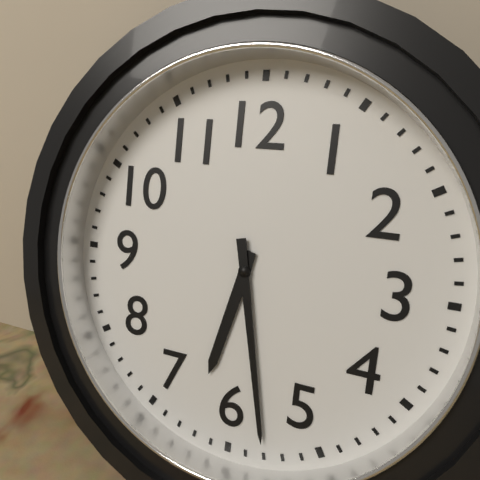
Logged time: 6.28
